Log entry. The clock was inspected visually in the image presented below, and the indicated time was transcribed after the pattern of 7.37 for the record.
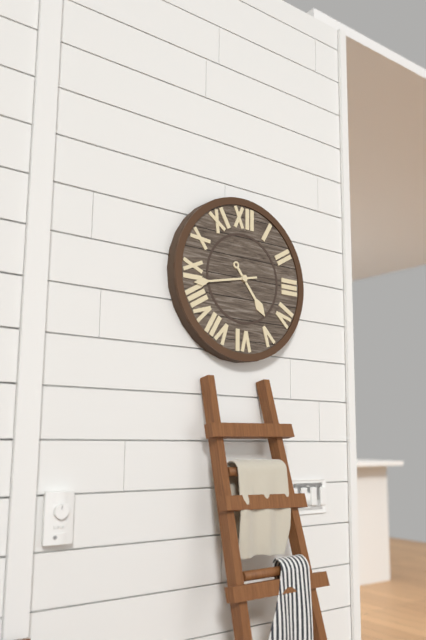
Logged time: 4.43
